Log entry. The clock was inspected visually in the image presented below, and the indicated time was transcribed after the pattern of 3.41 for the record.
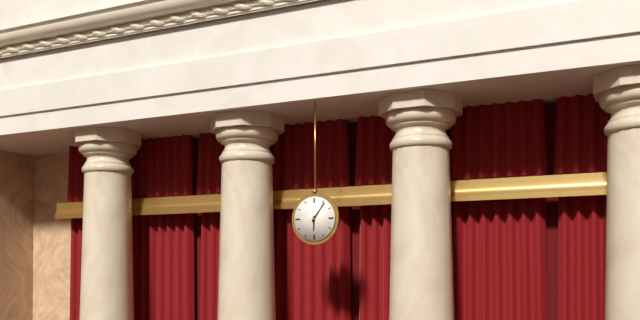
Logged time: 6.06
